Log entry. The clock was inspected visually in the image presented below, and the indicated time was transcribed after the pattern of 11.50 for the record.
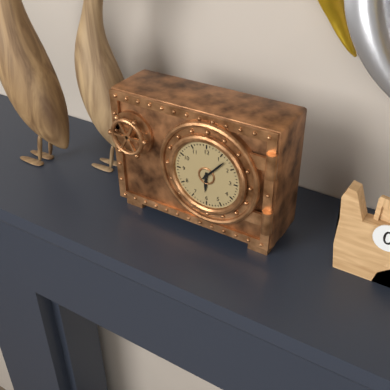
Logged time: 6.07
